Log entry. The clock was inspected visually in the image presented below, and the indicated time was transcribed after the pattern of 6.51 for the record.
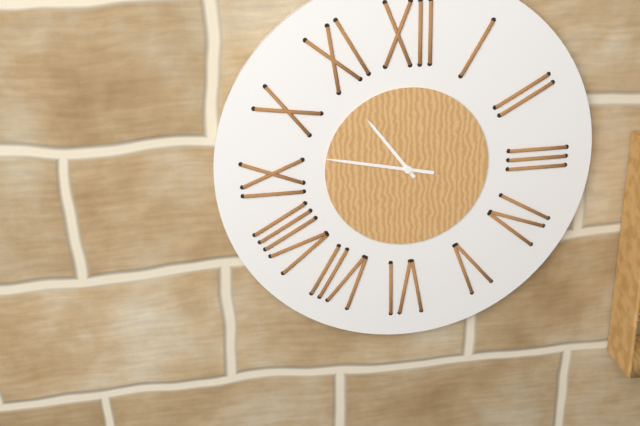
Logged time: 10.47
